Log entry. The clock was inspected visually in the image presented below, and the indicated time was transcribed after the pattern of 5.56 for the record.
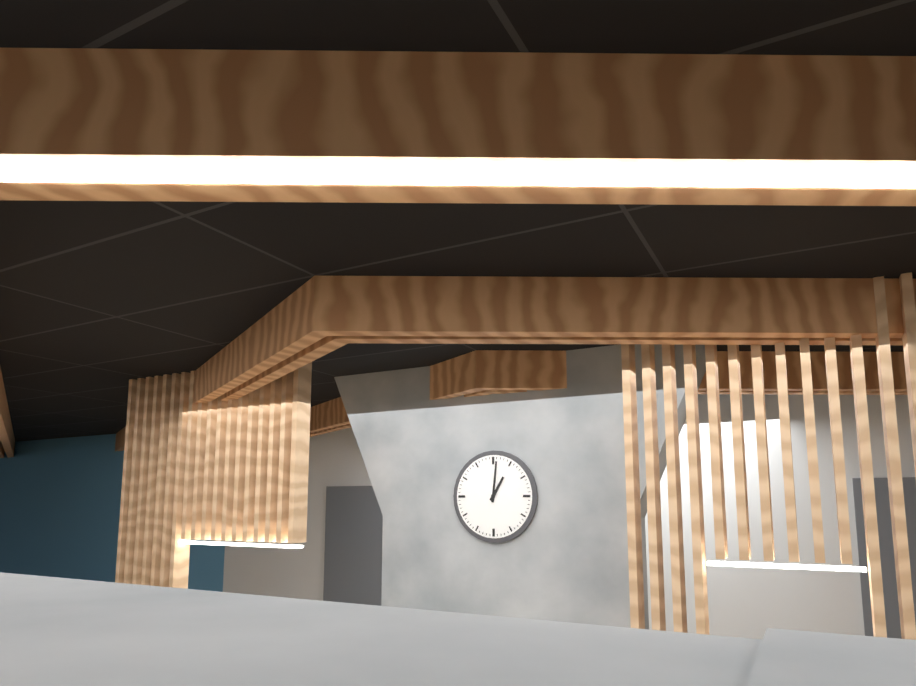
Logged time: 1.01
